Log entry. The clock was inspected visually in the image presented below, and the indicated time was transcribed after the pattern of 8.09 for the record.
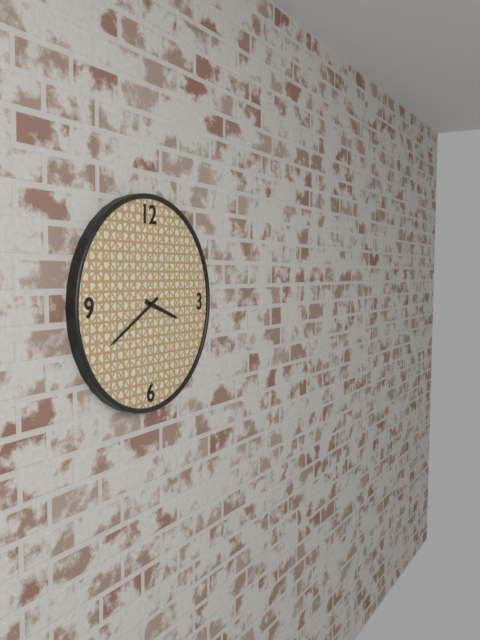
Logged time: 3.40
